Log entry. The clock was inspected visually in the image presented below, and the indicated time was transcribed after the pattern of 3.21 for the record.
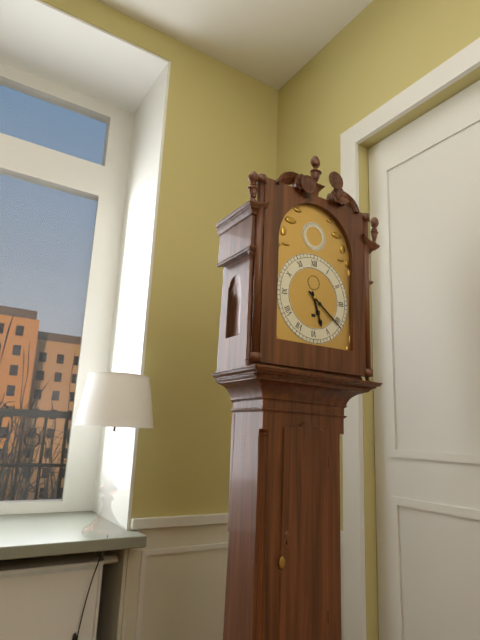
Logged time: 5.21
